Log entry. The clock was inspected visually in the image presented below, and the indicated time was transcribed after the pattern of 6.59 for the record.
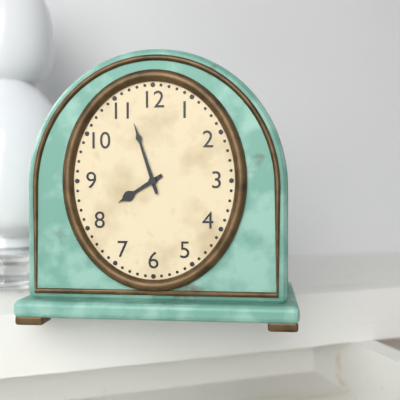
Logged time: 7.57
